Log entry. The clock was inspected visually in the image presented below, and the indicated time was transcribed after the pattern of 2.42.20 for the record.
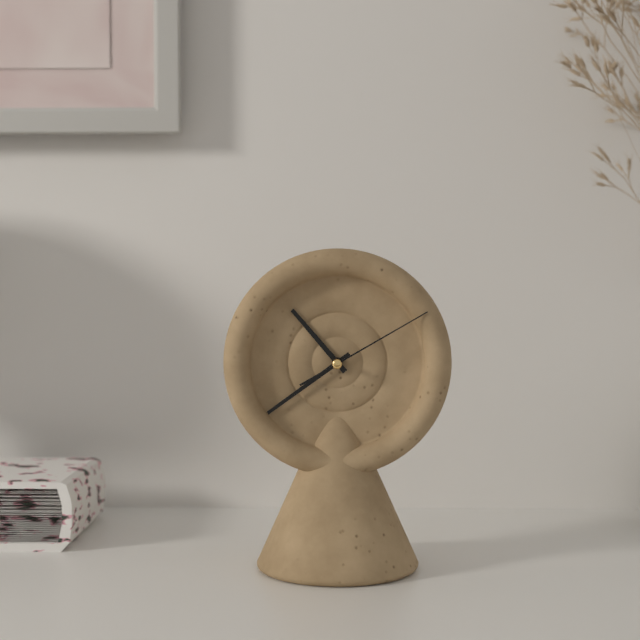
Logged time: 10.39.10
